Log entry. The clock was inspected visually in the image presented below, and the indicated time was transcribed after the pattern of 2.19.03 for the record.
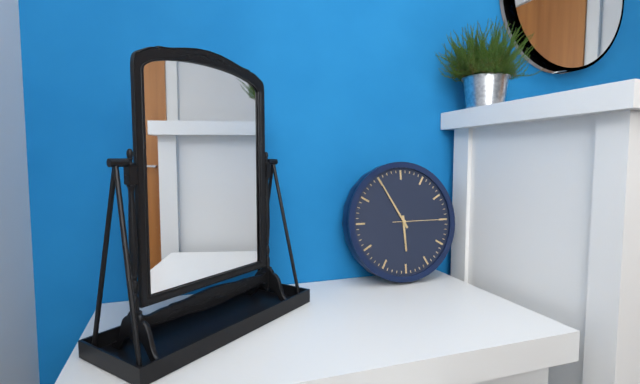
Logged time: 5.55.15
